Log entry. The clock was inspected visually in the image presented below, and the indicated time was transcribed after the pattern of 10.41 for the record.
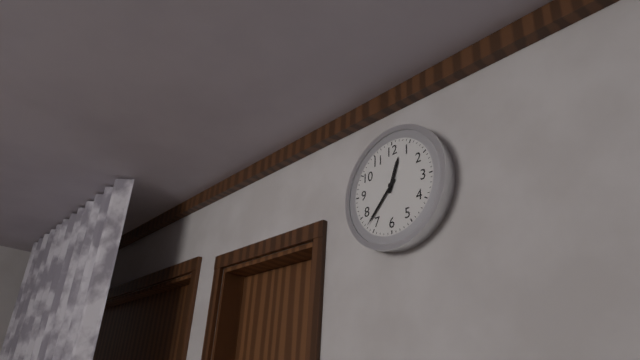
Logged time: 12.37
